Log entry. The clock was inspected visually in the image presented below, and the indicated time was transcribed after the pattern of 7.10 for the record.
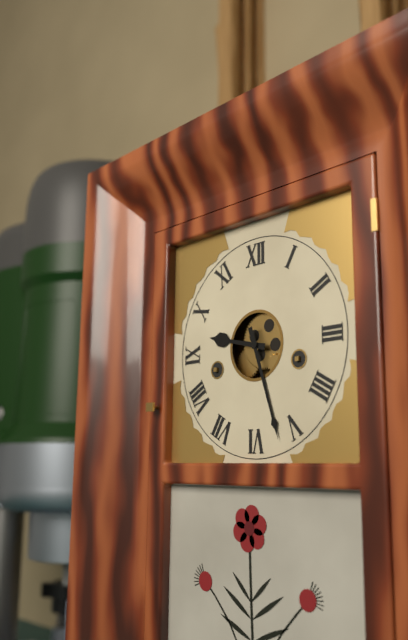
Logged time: 9.27
